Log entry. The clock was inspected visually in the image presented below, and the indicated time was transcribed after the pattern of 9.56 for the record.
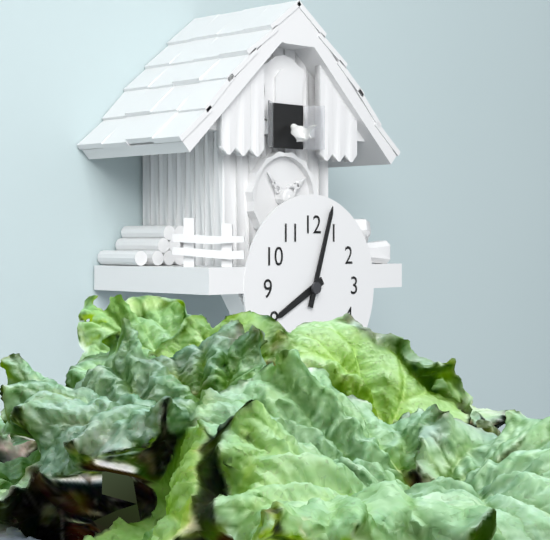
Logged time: 8.03
